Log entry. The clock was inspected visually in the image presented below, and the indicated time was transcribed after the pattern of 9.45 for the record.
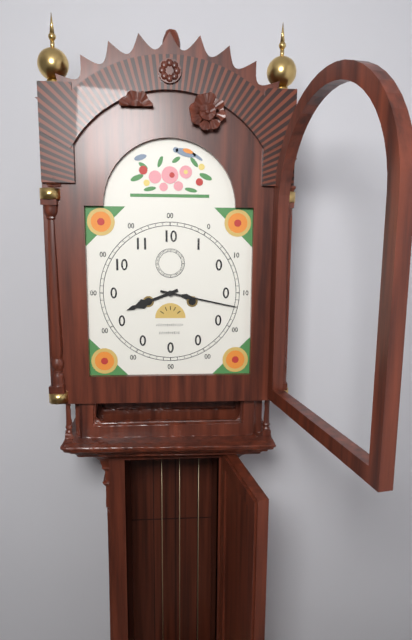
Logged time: 8.17
